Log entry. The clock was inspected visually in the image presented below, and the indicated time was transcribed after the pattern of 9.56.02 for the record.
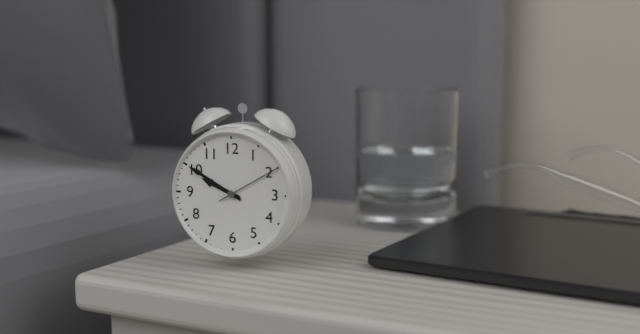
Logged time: 9.50.10
